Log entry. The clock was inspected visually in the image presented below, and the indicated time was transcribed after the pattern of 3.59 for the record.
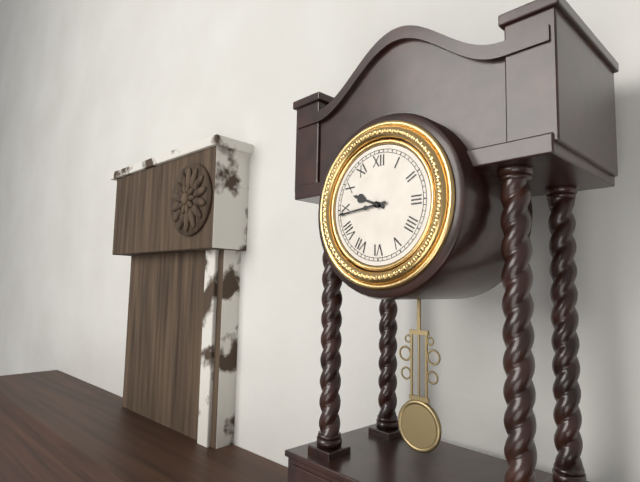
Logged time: 9.44
